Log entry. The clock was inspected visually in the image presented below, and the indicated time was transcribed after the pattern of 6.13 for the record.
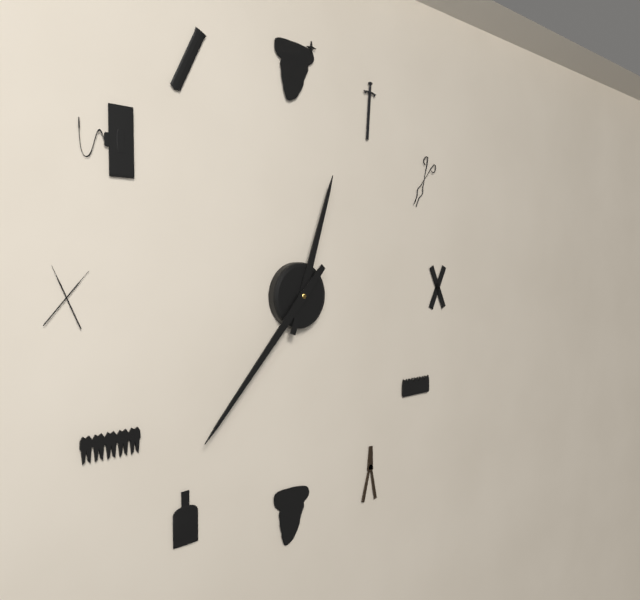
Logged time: 12.37
